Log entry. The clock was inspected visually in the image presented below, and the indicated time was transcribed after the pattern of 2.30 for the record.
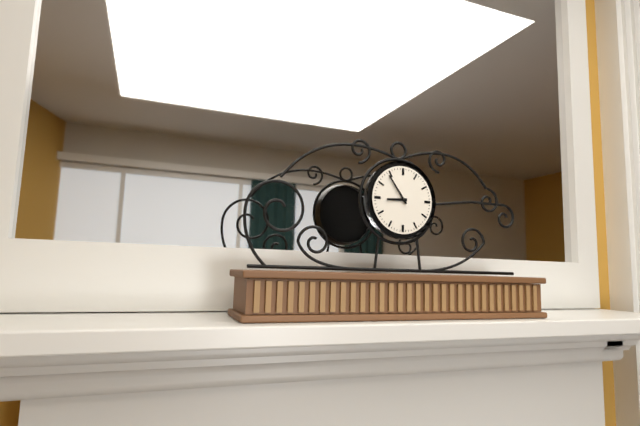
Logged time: 8.54
